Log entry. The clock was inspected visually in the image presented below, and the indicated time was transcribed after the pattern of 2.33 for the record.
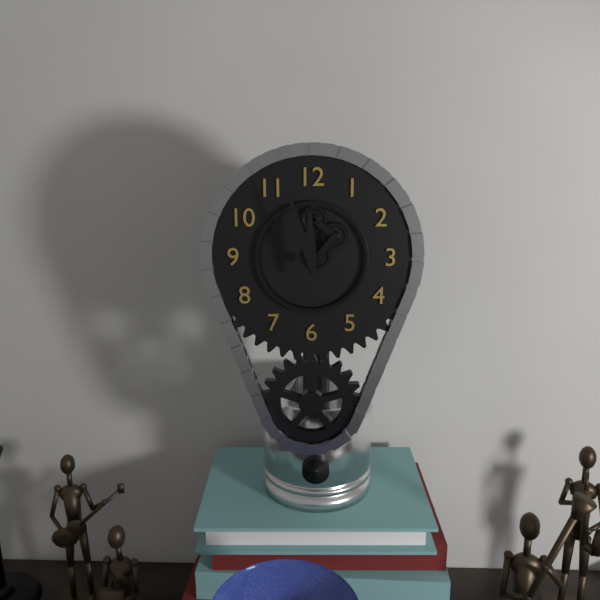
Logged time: 11.57
